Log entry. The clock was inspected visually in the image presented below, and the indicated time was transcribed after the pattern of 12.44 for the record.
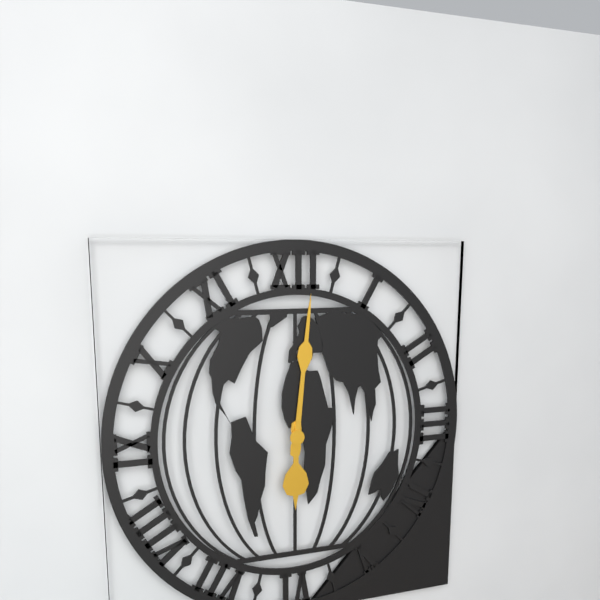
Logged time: 6.01
